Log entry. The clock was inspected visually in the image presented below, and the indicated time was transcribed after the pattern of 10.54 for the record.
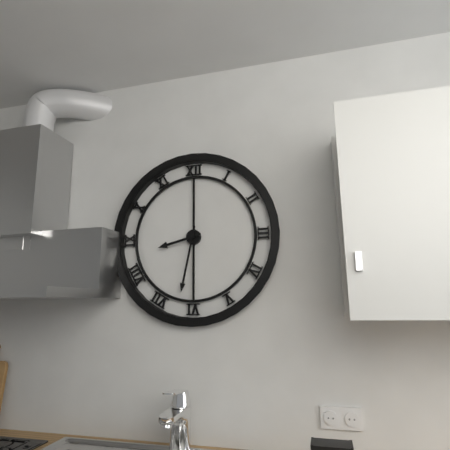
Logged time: 8.32
